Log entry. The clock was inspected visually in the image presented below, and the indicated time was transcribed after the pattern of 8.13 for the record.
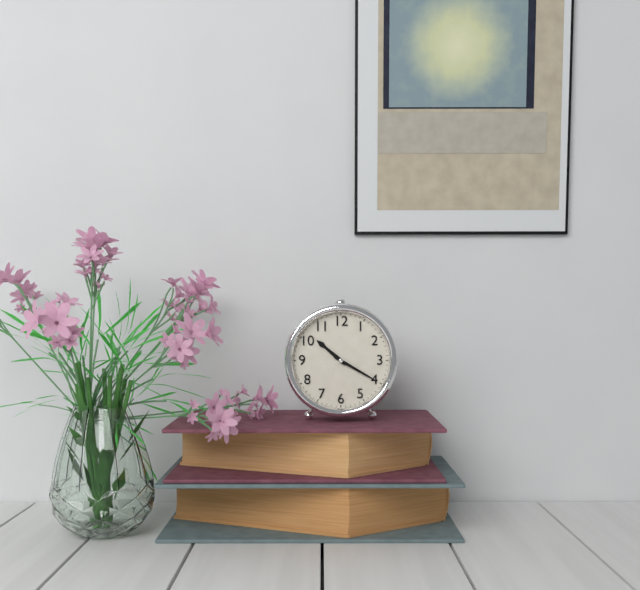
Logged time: 10.20
